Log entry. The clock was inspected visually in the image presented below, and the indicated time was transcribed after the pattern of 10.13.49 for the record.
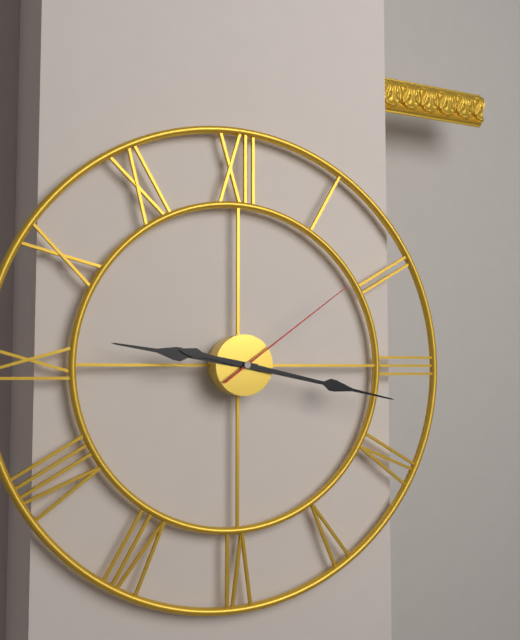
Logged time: 9.17.09
